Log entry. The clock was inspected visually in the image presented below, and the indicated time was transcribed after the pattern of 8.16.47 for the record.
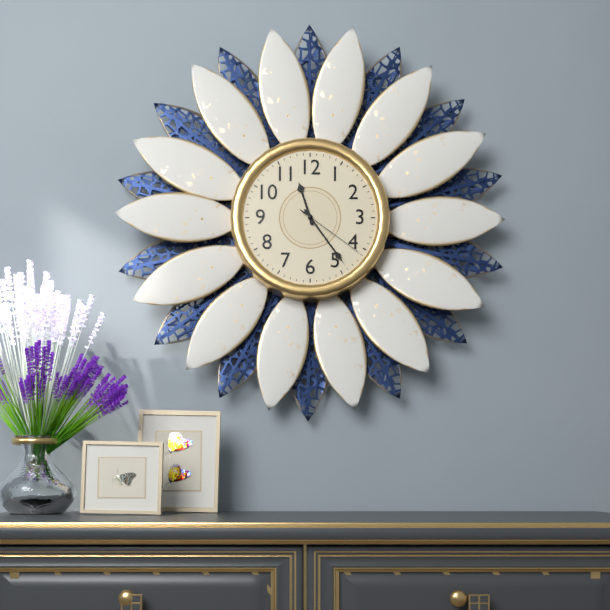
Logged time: 11.24.21
